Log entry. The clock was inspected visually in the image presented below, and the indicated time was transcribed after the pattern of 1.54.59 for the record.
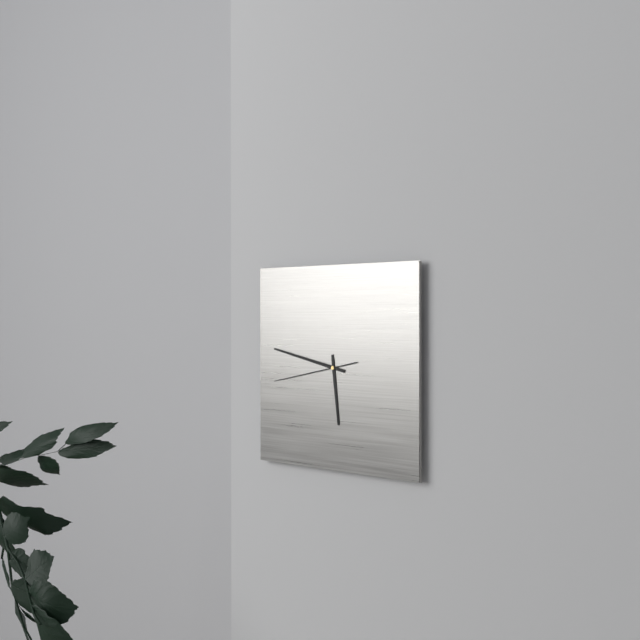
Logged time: 5.47.43
